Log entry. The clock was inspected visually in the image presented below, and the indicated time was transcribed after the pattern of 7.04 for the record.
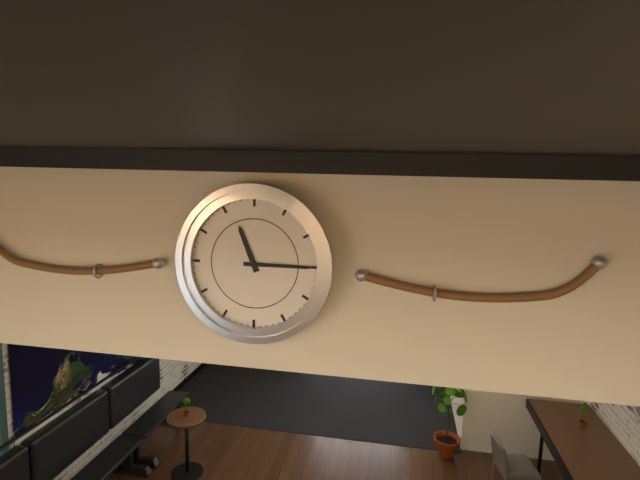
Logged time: 11.15
